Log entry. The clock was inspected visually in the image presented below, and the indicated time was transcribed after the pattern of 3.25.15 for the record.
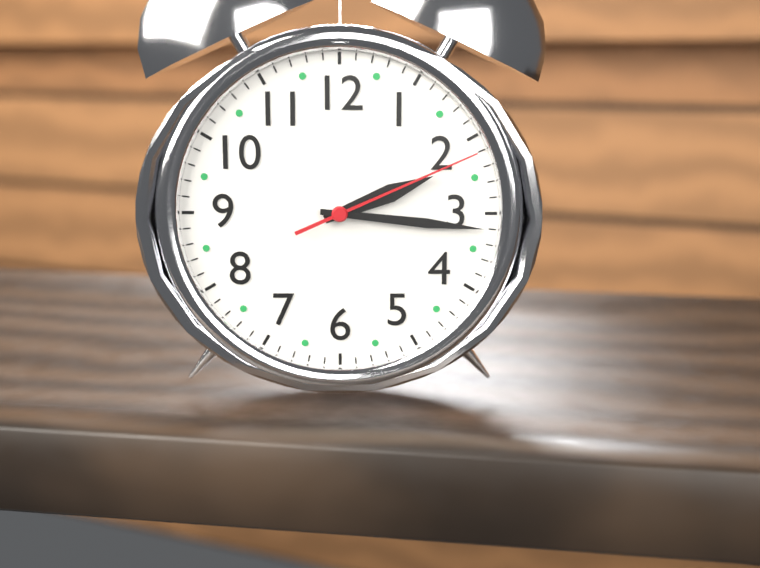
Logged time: 2.16.11
